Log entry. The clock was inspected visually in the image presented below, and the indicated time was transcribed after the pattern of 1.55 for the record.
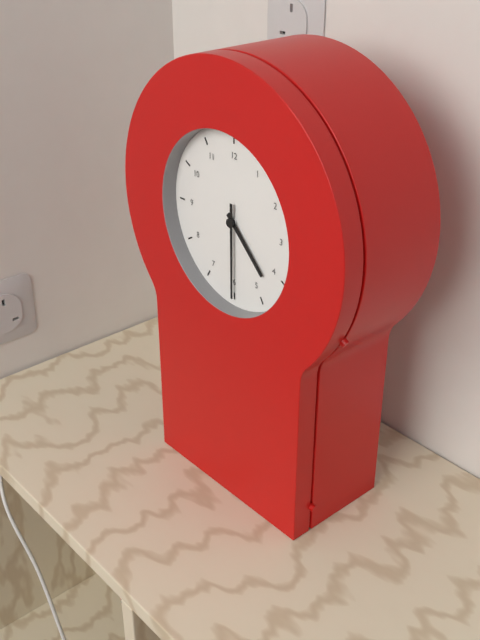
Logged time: 4.30
